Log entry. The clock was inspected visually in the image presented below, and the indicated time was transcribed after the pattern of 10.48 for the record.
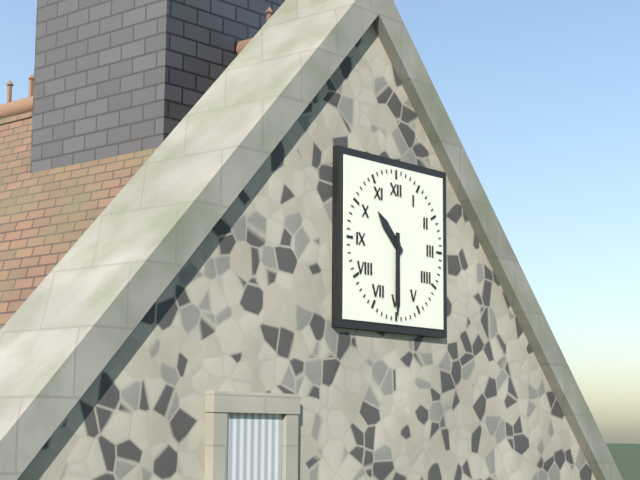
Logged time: 10.30
